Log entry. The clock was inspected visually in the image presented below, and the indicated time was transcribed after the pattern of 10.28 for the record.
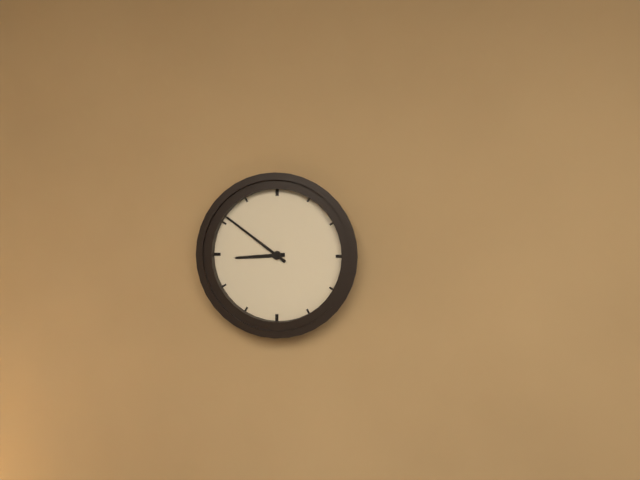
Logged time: 8.51
